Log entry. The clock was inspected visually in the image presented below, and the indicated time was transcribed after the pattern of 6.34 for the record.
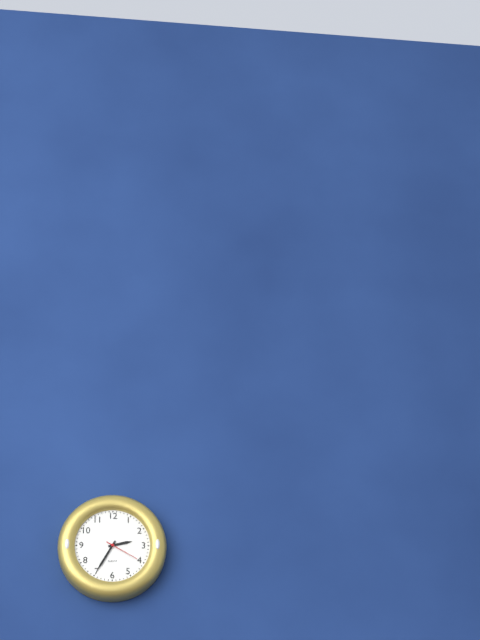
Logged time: 2.35
